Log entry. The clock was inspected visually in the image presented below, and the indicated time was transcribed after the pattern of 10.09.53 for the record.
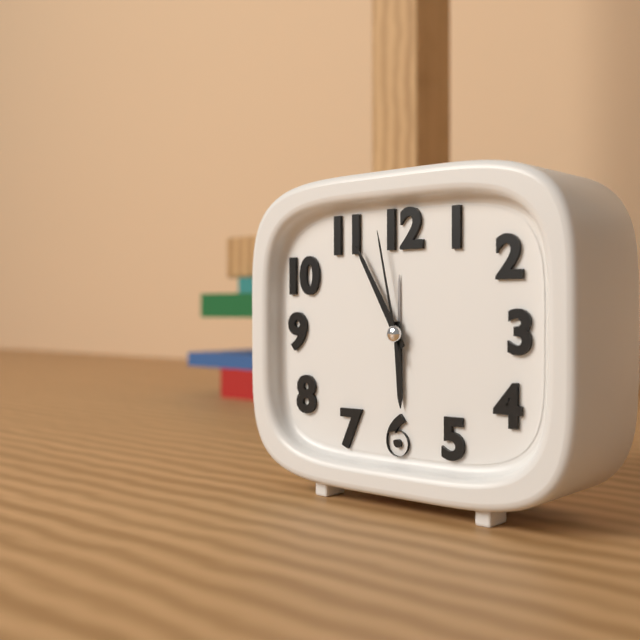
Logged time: 5.55.58
